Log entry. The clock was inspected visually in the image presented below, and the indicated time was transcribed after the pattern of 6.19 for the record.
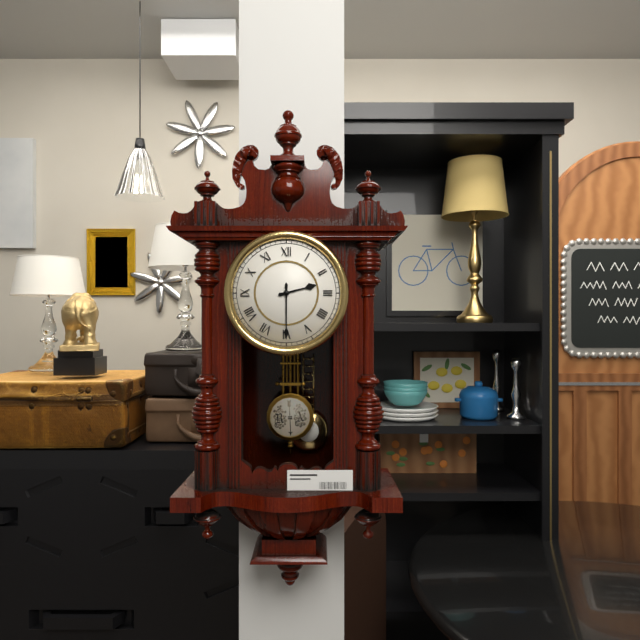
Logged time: 2.30
